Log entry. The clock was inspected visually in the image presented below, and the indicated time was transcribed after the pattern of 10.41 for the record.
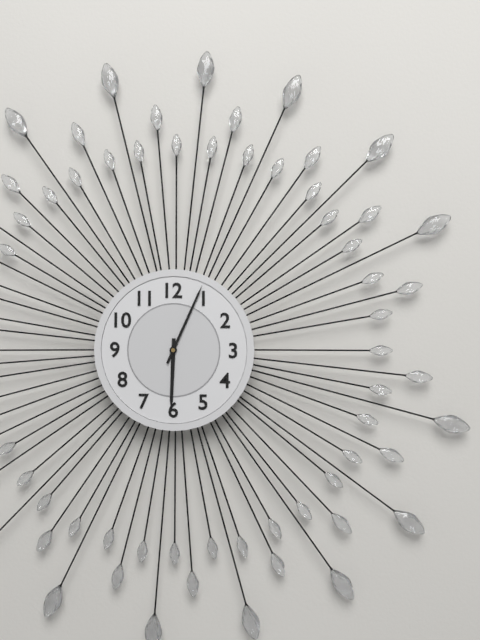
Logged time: 6.04
